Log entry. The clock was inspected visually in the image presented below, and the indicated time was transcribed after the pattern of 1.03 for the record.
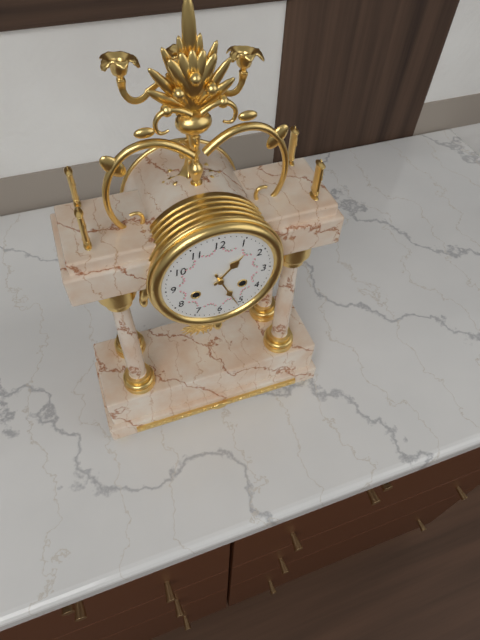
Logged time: 1.26
